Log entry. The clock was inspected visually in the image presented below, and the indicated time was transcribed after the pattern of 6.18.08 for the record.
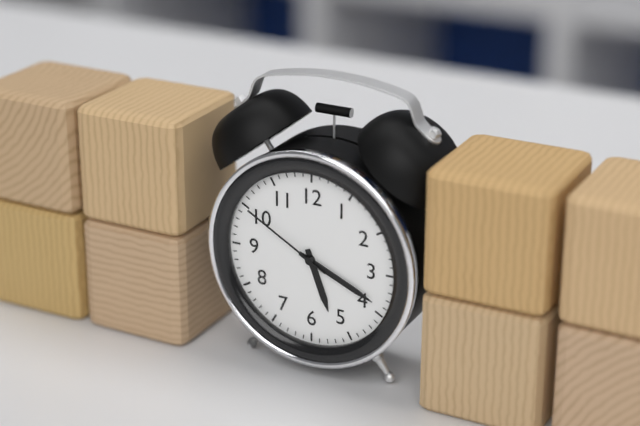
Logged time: 5.19.50
